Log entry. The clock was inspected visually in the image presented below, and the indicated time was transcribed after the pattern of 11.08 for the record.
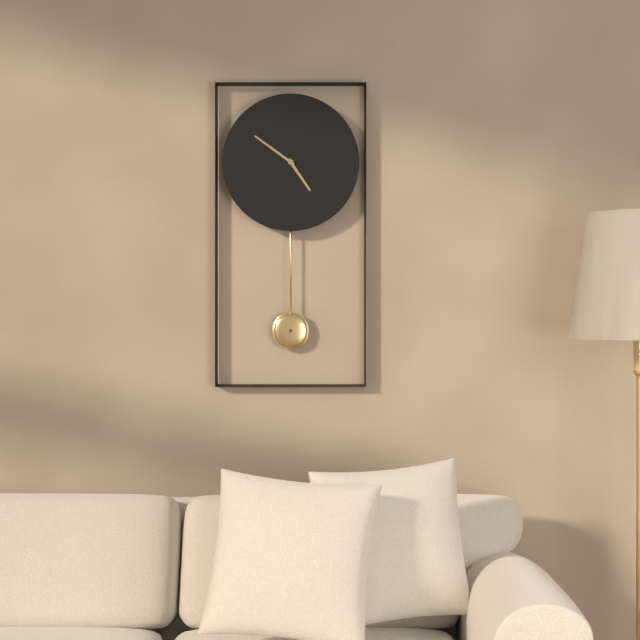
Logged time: 4.51
